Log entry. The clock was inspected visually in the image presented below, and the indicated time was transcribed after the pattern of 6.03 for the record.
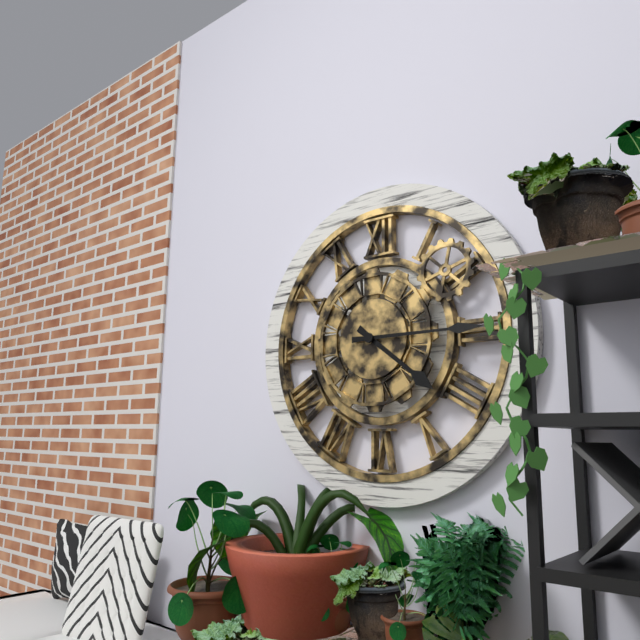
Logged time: 4.15
